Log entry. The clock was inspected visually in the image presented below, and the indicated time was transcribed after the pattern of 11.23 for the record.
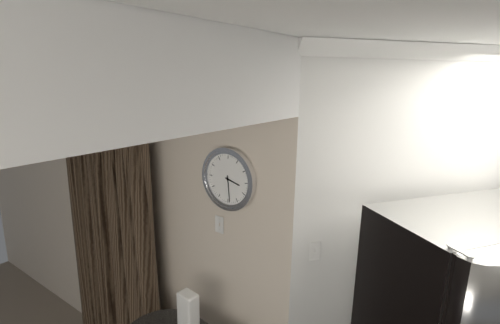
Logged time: 3.29
